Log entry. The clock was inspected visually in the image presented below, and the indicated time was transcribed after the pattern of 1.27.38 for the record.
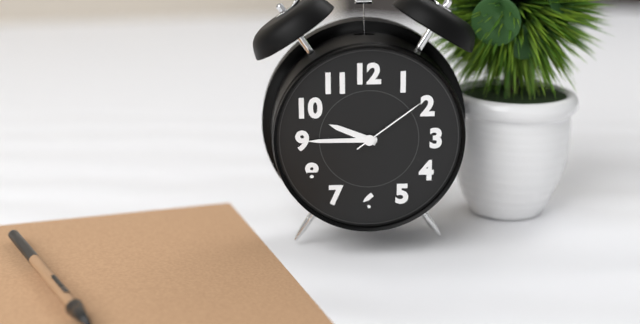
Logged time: 9.45.09
